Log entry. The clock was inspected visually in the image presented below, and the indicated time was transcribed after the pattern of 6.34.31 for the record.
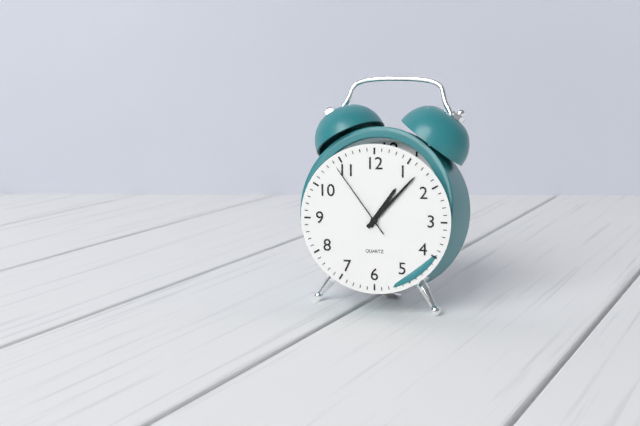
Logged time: 1.07.54
